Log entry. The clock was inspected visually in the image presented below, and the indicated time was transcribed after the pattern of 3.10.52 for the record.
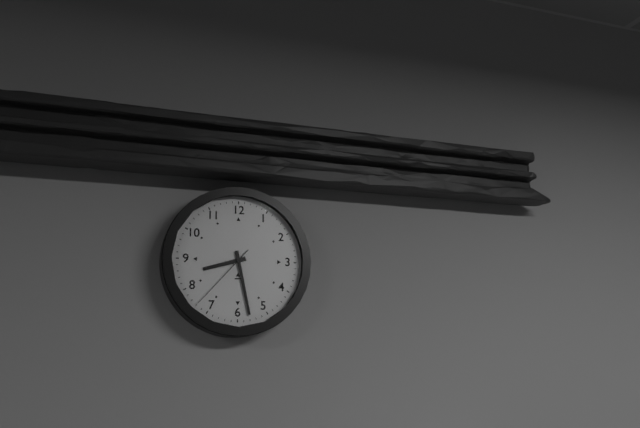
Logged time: 8.28.37
